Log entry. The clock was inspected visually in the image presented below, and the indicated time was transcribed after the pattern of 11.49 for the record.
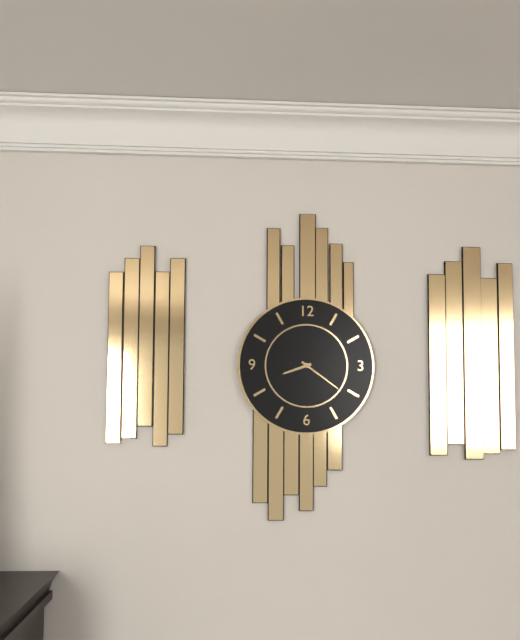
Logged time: 8.21
